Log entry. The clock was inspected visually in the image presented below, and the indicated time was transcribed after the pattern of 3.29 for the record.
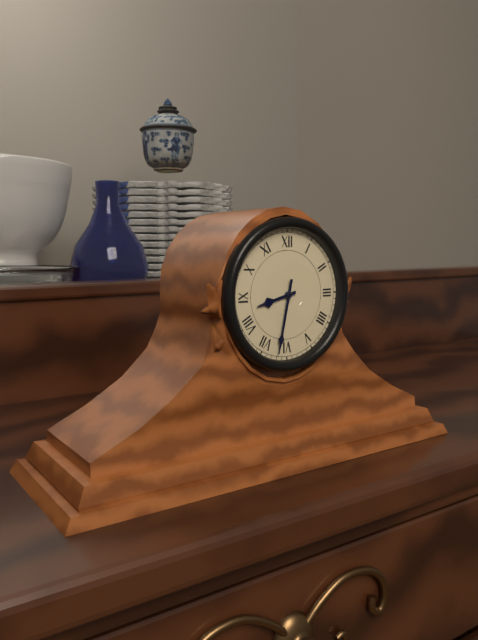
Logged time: 8.32
